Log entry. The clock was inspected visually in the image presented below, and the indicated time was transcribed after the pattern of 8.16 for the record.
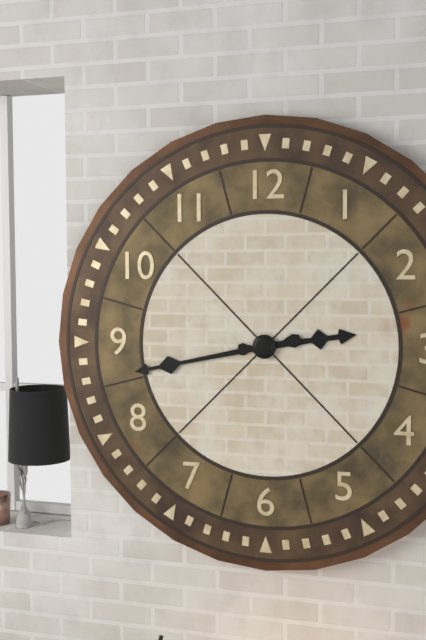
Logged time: 2.43
